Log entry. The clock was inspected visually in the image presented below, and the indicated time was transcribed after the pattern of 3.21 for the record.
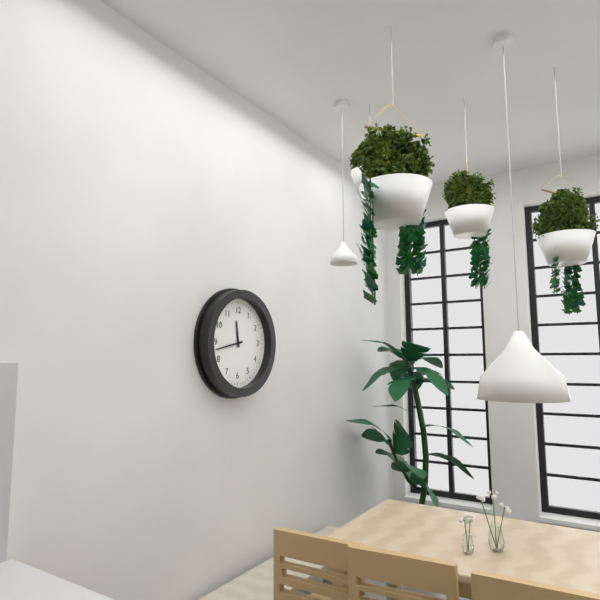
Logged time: 11.43
